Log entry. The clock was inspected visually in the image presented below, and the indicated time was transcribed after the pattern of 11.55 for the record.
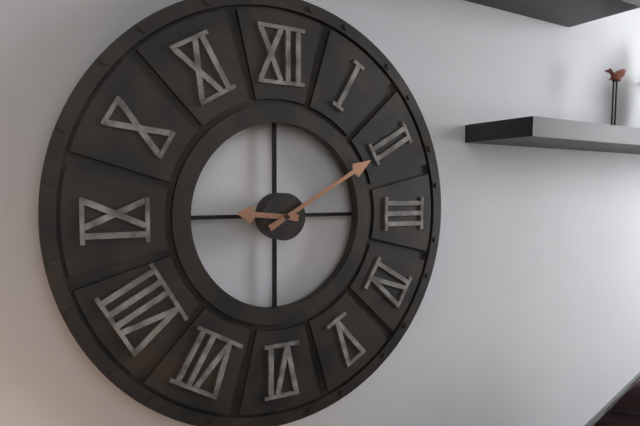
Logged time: 9.10
